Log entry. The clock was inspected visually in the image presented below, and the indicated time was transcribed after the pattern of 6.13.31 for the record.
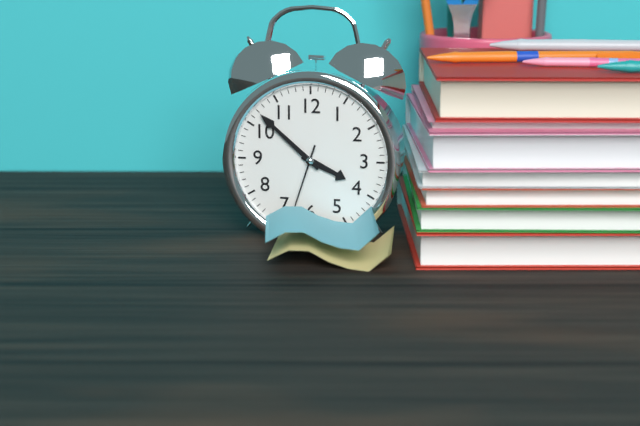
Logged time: 3.52.33
